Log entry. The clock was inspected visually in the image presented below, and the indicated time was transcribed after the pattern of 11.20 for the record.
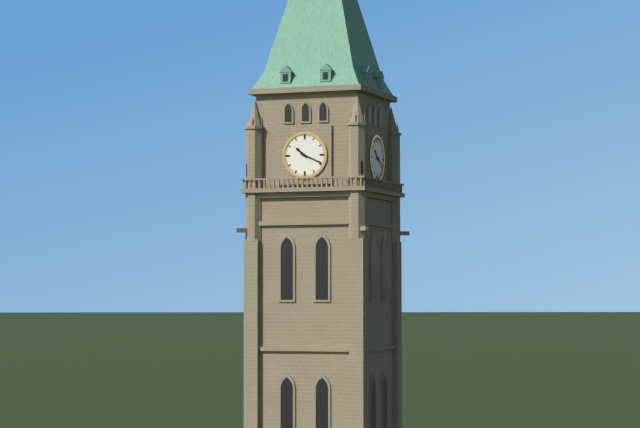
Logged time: 10.19
